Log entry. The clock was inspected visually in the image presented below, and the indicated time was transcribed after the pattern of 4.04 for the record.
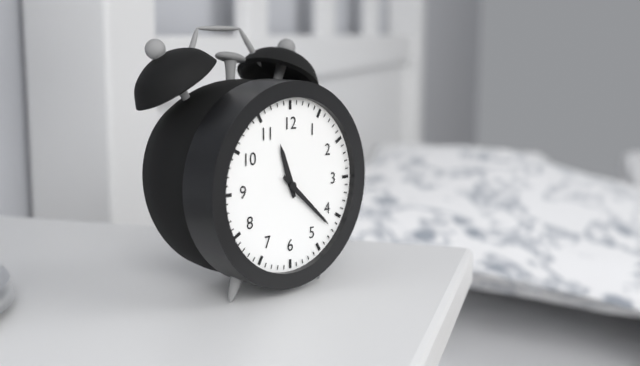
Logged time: 11.22
